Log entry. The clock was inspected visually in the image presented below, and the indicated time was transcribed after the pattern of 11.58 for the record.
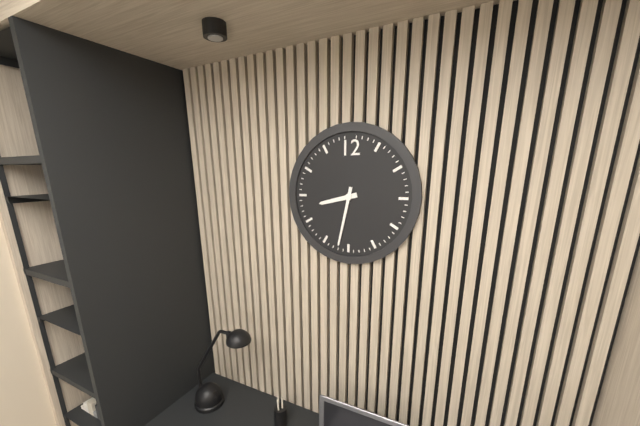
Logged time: 8.32
